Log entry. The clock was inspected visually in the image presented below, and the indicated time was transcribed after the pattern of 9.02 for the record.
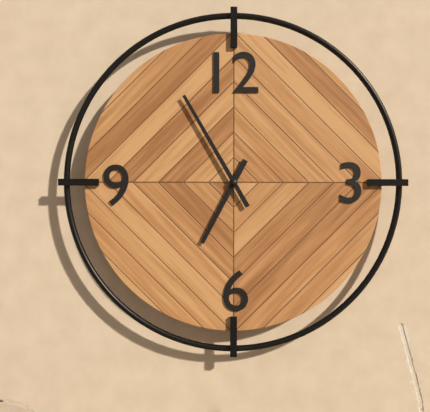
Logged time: 6.55
